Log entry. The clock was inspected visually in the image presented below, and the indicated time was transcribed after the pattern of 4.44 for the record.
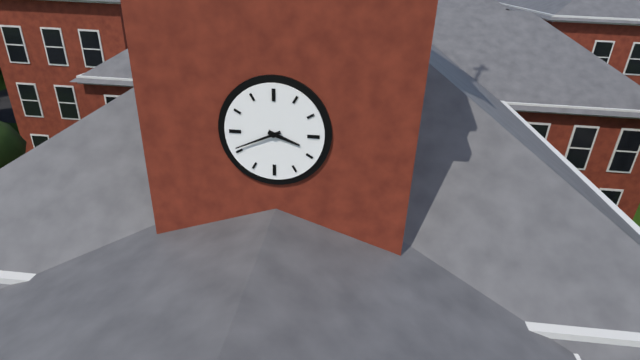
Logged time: 3.41
